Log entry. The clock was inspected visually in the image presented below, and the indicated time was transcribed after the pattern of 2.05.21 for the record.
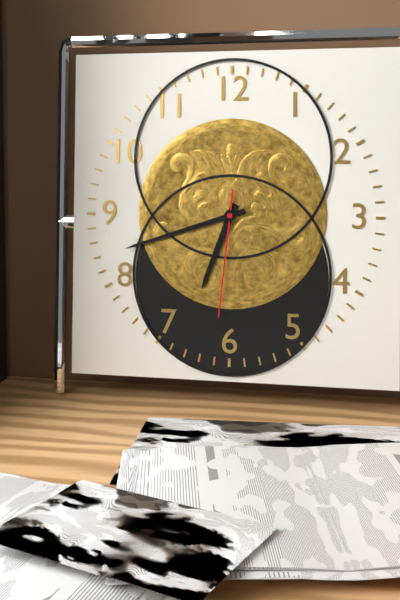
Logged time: 6.42.31
